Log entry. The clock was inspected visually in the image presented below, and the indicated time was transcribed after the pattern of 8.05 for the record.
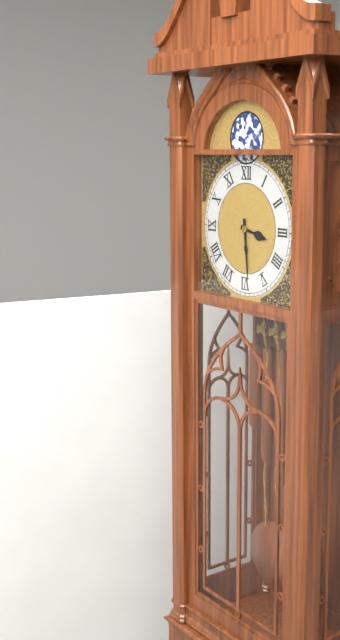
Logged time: 3.29
